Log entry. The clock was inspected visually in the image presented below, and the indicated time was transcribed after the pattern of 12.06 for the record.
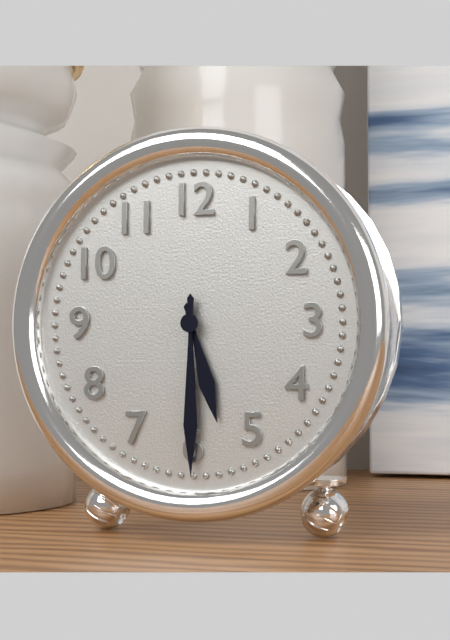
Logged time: 5.30
